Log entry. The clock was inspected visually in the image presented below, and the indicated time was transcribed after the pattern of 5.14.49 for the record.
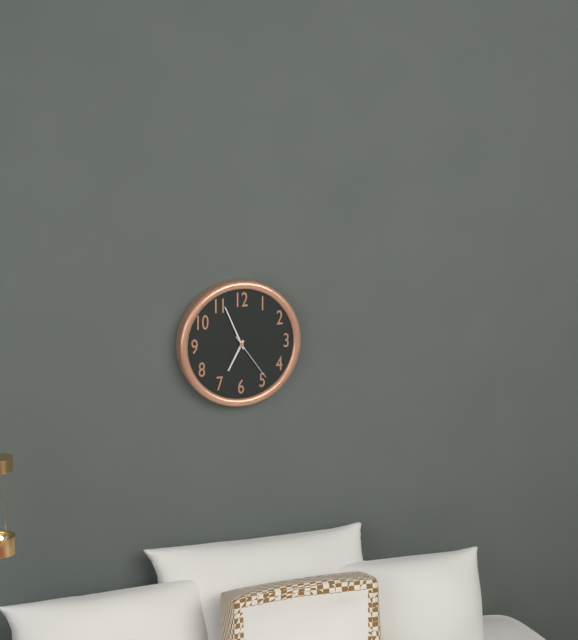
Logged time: 6.56.24
